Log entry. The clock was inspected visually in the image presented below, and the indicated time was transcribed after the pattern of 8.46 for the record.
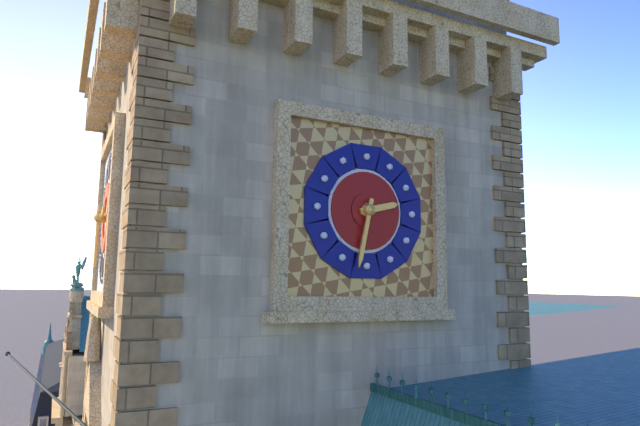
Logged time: 2.32
